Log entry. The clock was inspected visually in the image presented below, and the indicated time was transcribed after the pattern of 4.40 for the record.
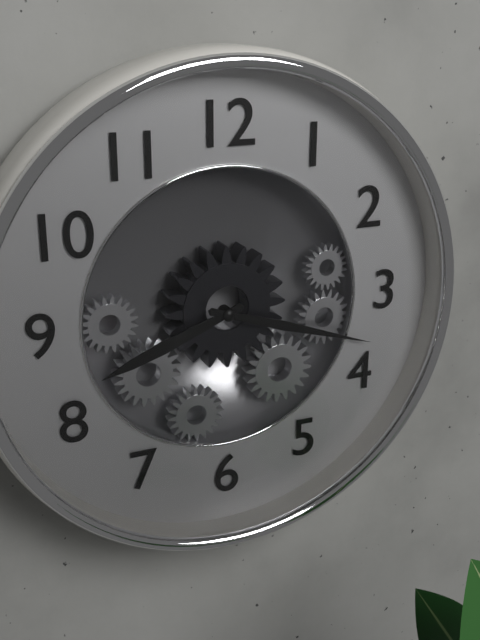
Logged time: 8.18
